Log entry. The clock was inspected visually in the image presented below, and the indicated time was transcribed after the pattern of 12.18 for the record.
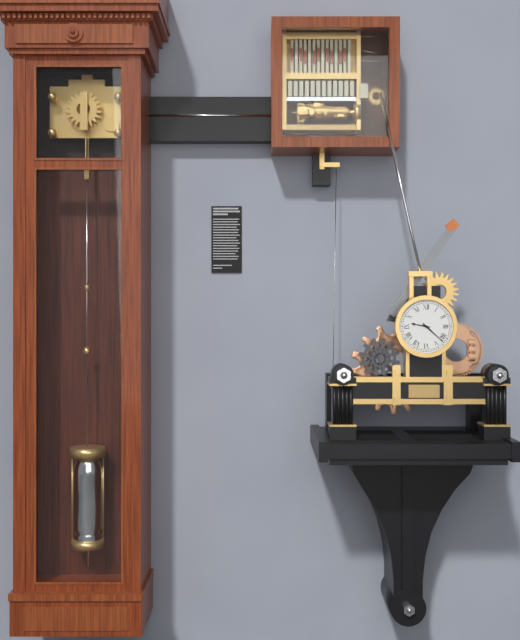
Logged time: 9.22
